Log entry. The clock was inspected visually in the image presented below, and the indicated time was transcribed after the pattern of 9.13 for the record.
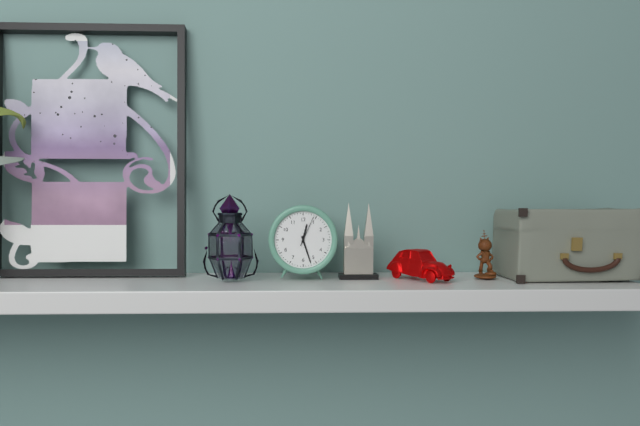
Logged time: 12.27
